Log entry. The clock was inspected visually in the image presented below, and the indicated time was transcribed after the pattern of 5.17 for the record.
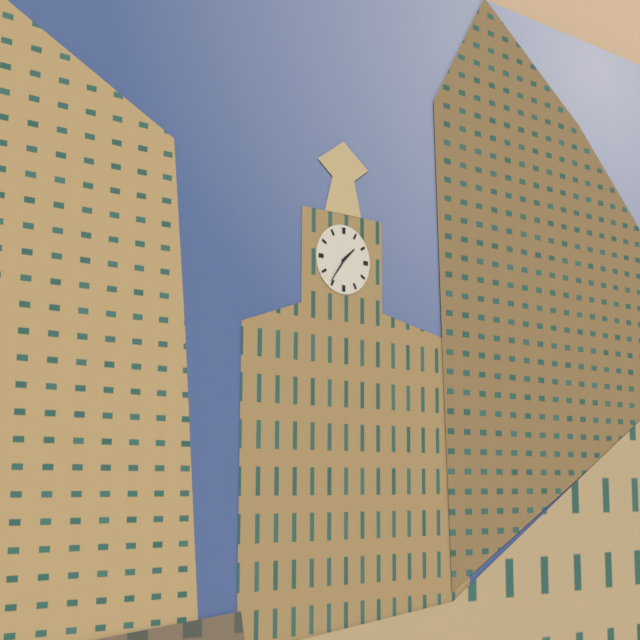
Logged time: 1.36
